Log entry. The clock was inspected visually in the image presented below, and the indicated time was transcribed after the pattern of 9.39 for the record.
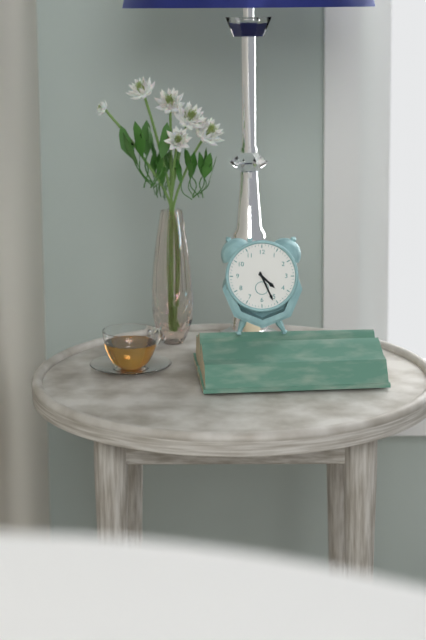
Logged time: 4.26
